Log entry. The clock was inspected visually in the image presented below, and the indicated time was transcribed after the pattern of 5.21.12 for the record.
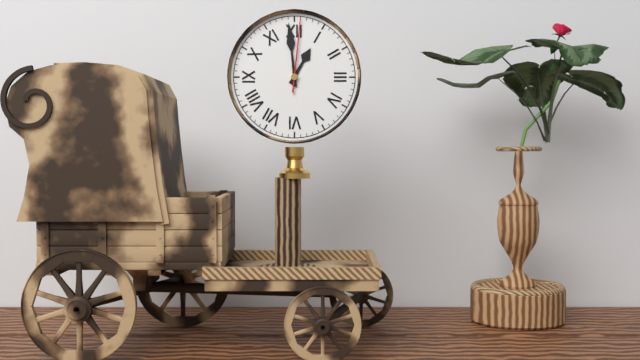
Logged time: 12.59.01
